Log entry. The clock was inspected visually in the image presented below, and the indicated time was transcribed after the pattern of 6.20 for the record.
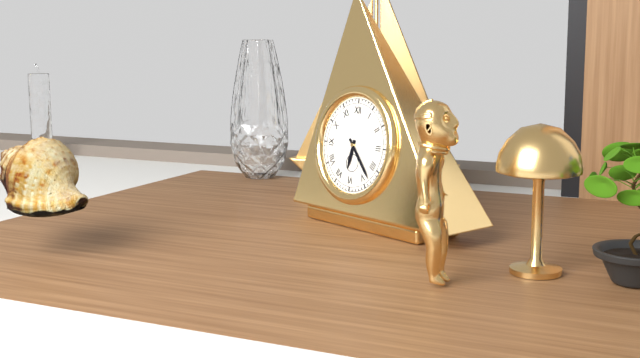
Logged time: 6.23
